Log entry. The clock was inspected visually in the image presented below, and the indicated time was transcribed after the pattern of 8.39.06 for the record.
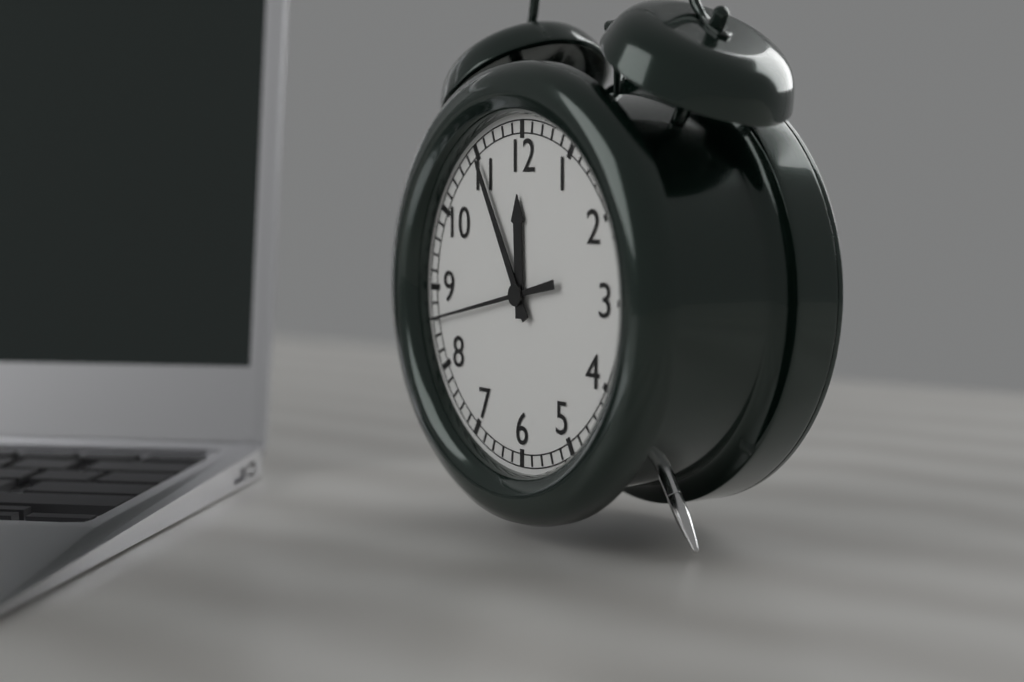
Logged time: 11.55.43
